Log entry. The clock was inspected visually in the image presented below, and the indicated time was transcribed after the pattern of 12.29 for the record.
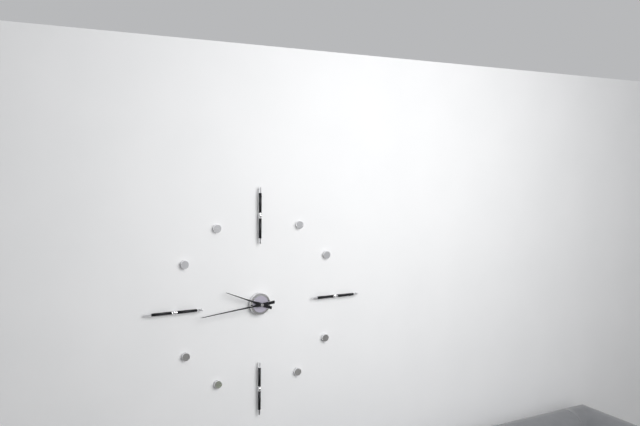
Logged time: 9.44
